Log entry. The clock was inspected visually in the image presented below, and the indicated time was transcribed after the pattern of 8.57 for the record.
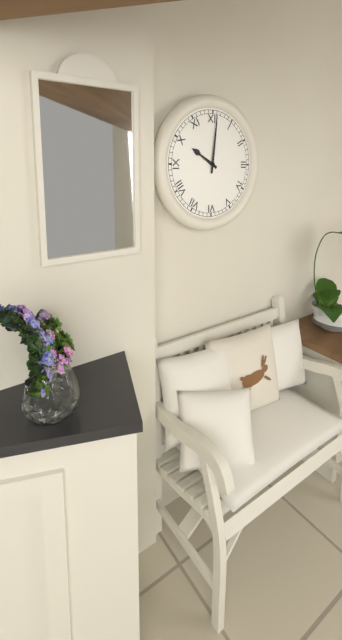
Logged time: 10.01
